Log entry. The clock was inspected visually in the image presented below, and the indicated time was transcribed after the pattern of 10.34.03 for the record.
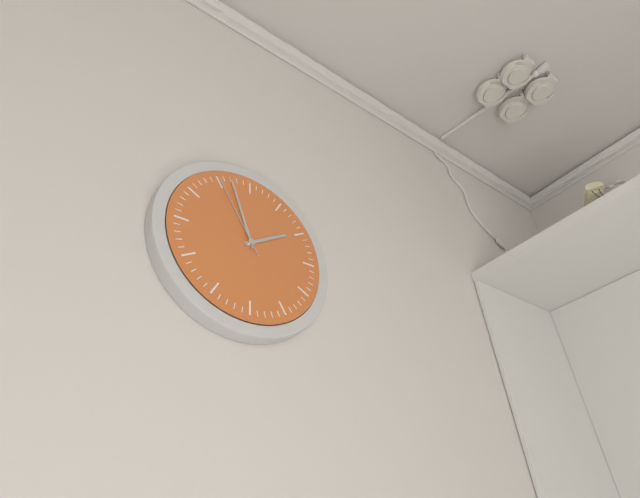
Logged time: 1.57.55
